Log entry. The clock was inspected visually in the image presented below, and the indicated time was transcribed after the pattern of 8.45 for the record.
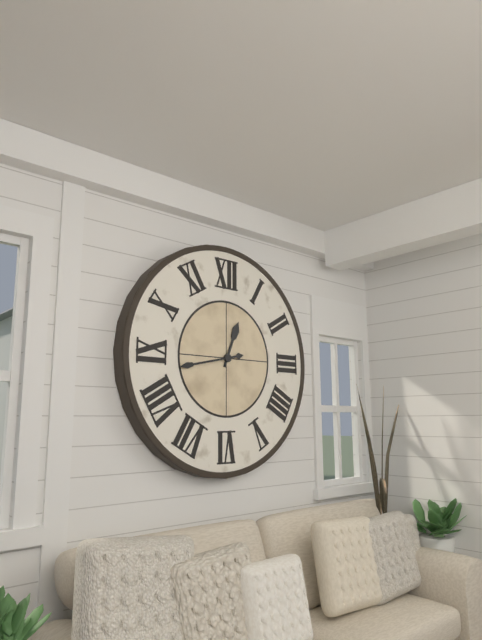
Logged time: 12.43
